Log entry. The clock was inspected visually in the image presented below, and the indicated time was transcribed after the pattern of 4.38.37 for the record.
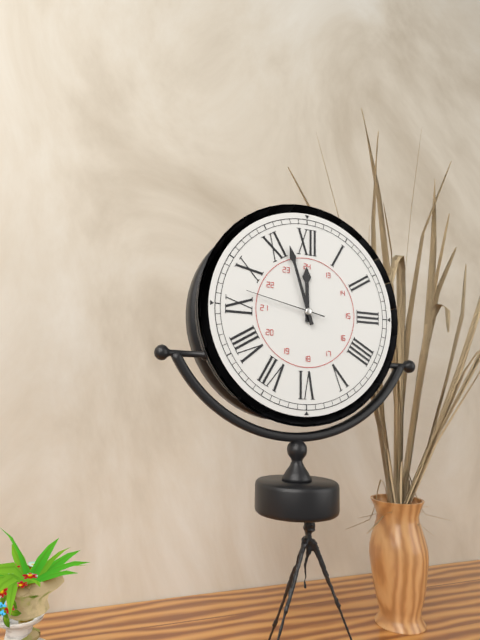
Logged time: 11.57.47
